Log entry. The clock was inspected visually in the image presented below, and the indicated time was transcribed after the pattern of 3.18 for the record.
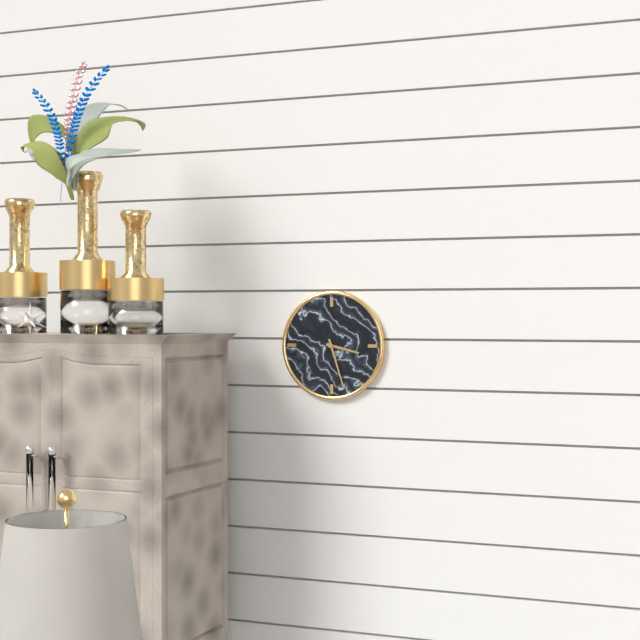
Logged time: 3.27
